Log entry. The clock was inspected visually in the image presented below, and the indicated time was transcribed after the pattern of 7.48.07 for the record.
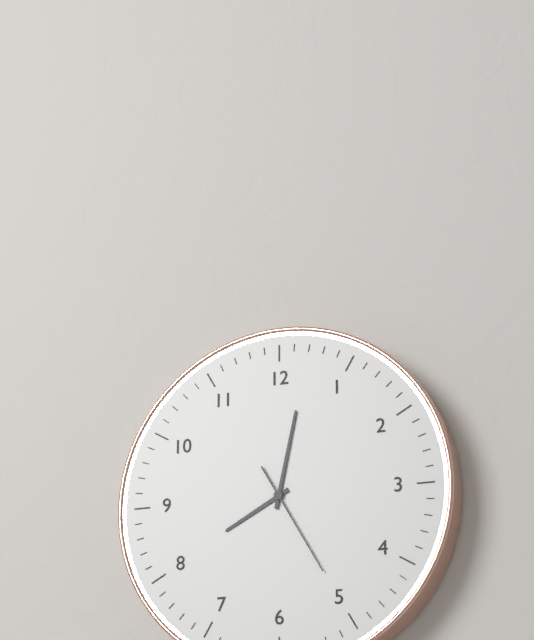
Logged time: 8.02.25
